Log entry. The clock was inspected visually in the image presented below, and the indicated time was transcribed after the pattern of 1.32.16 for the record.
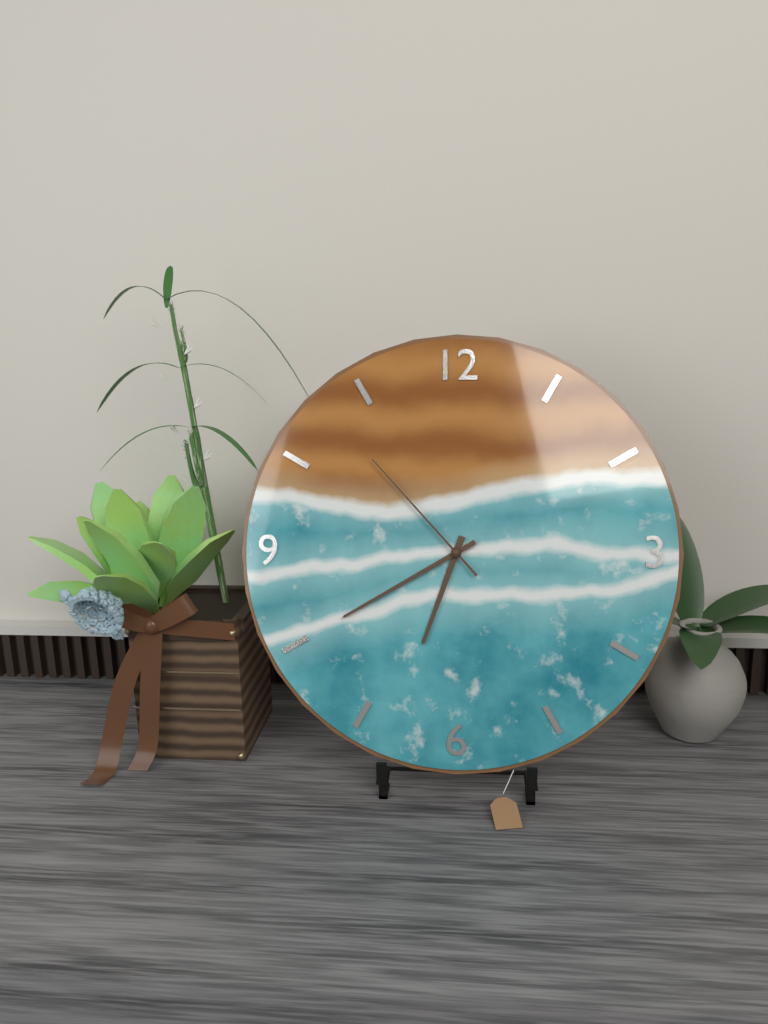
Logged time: 6.40.53
